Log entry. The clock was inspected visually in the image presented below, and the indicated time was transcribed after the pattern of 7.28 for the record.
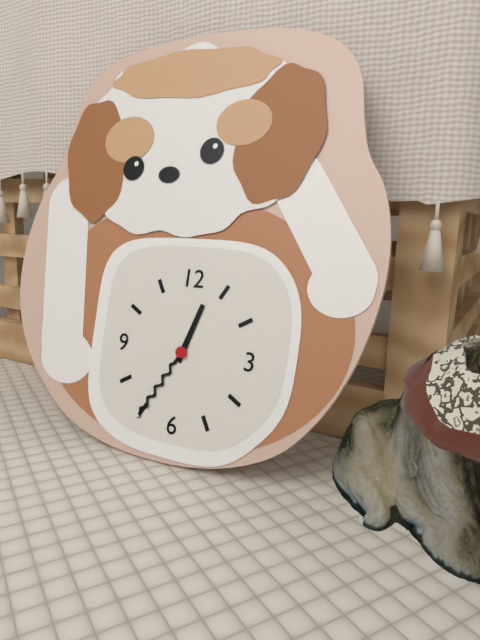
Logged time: 12.35
